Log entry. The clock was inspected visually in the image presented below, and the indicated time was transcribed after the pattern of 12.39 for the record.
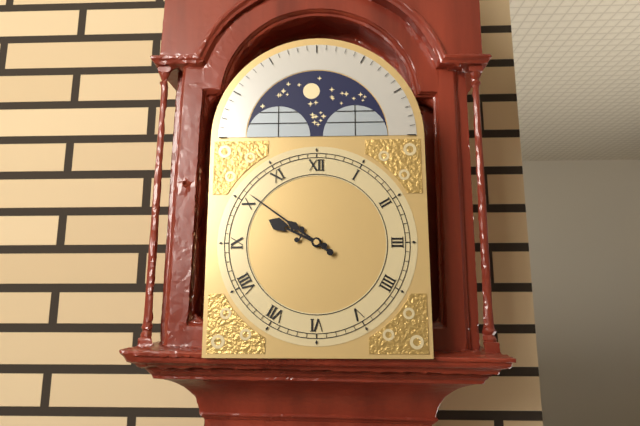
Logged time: 9.51
